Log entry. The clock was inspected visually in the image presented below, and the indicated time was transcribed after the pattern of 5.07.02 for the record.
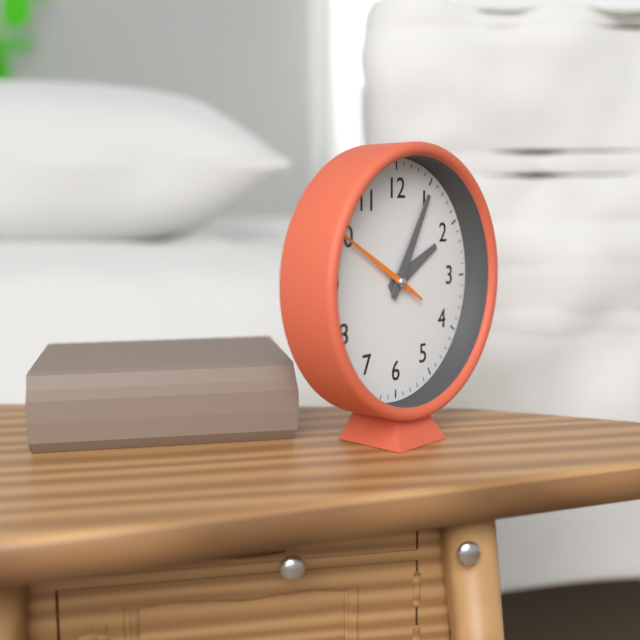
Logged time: 2.05.50
